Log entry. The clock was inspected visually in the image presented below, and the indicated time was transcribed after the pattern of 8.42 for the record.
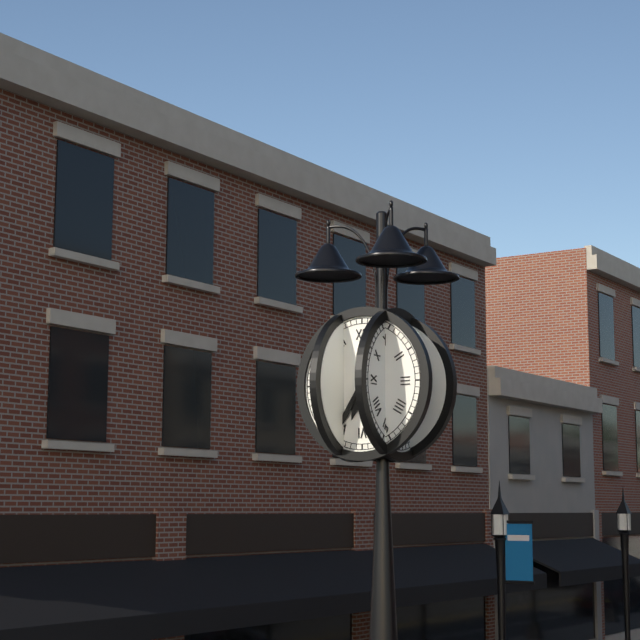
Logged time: 6.35
